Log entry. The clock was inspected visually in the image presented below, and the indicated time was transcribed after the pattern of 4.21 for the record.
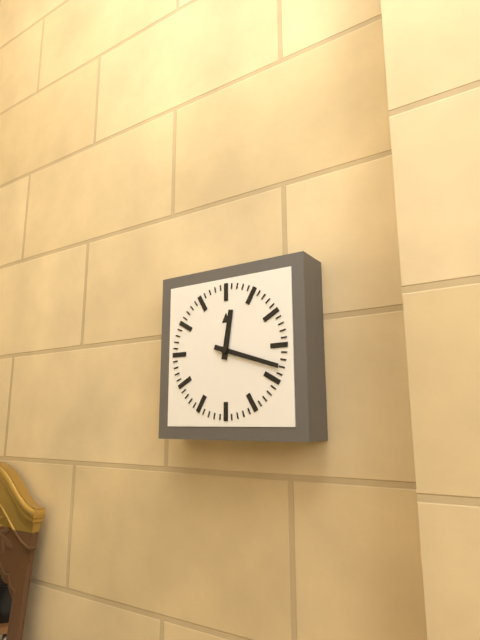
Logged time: 12.18
